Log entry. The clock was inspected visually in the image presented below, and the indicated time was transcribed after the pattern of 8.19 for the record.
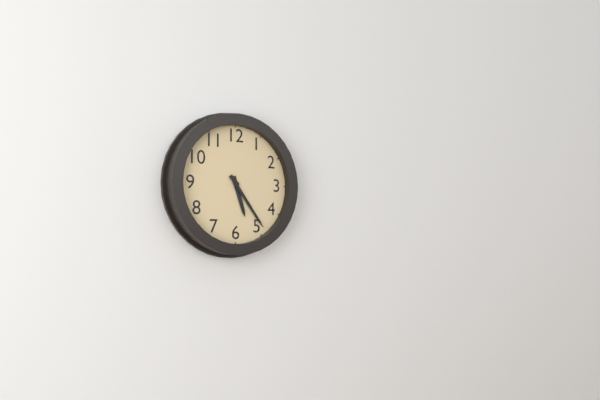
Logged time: 5.24
